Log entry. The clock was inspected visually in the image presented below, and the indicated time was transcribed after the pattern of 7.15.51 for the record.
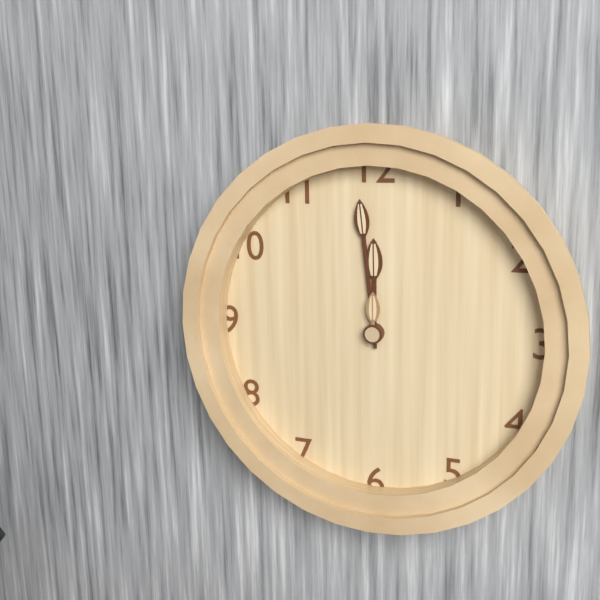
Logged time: 11.59.00
